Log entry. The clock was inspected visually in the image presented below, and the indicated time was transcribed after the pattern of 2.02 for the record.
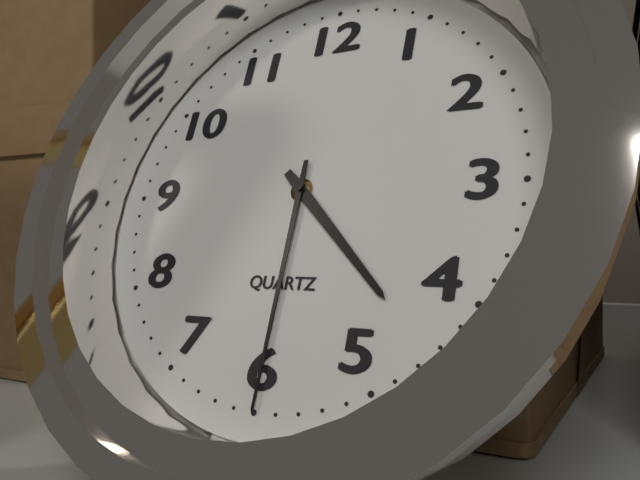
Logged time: 4.30
